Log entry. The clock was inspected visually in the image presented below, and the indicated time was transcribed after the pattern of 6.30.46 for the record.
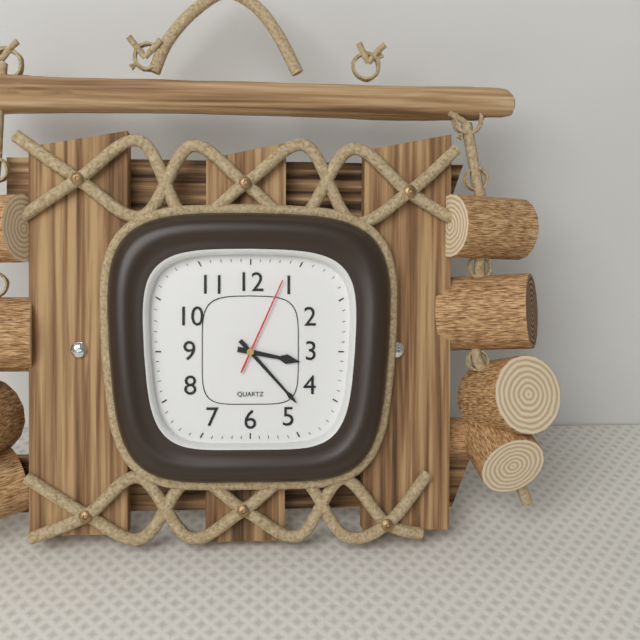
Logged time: 3.23.04
